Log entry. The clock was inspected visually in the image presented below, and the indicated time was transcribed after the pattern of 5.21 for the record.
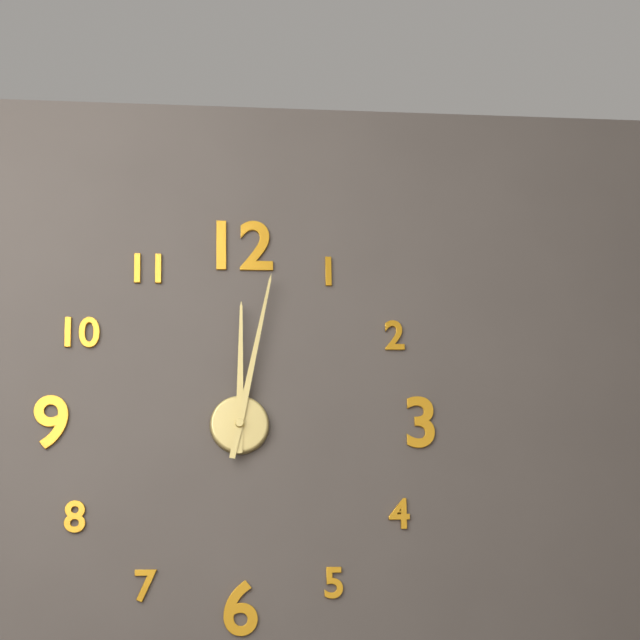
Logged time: 12.02
